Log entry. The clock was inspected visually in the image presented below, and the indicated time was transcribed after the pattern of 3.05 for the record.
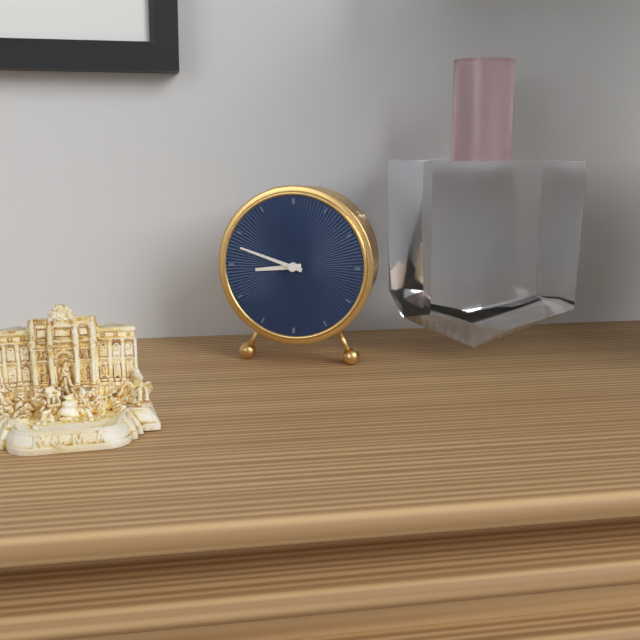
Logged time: 8.48
